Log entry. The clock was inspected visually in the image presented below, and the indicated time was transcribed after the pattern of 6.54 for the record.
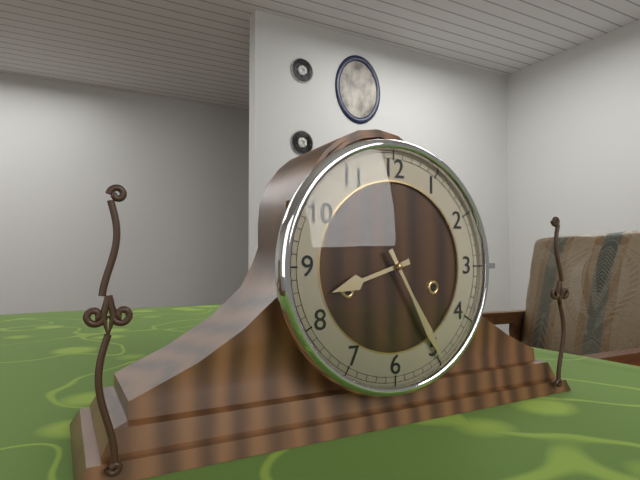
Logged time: 8.25
